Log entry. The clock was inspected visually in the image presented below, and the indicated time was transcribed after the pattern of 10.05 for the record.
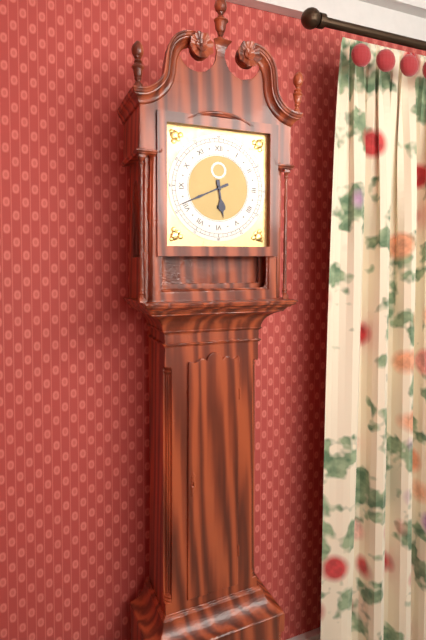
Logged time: 5.41
